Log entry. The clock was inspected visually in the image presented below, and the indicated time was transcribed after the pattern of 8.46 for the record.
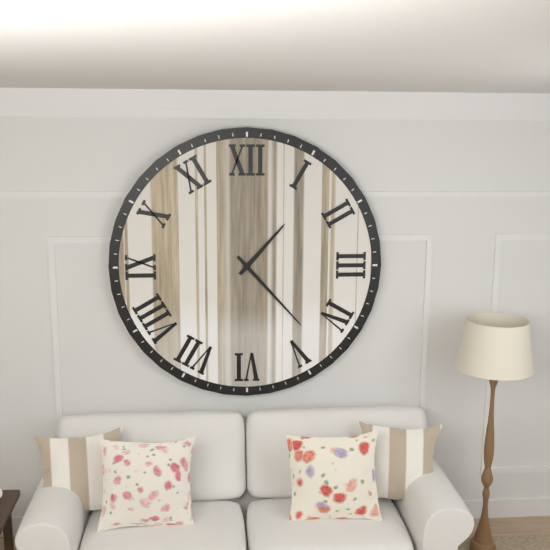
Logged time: 1.23
